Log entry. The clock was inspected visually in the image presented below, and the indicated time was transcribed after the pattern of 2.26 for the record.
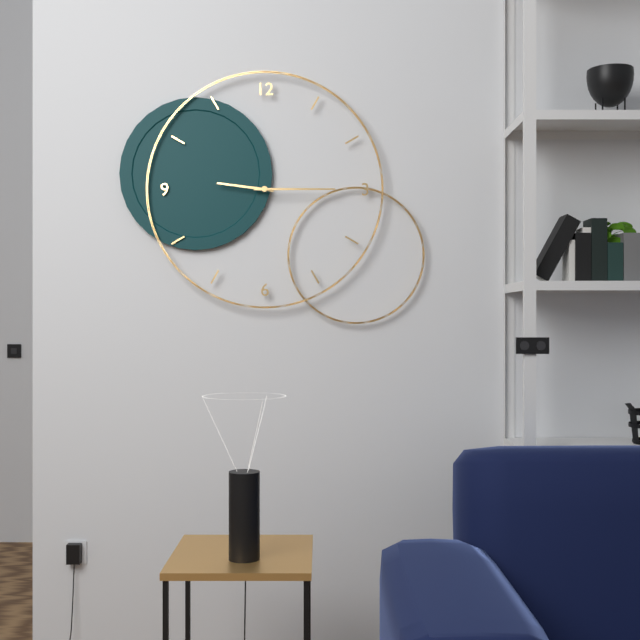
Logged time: 9.15
